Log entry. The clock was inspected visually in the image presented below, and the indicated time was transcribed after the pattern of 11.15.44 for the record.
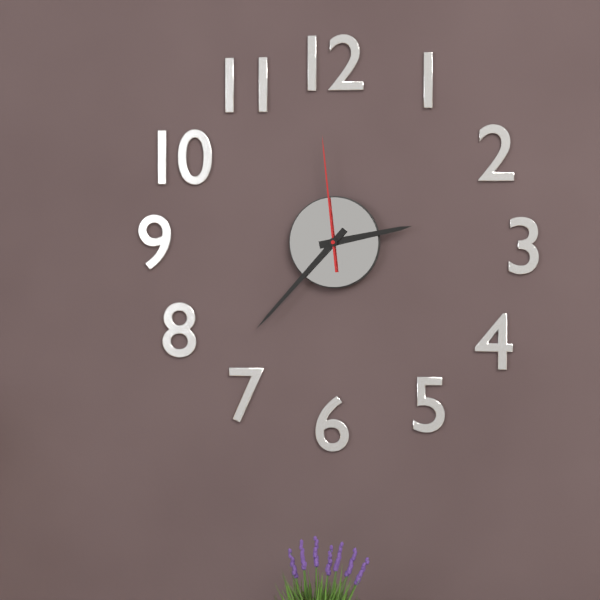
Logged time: 2.37.59
